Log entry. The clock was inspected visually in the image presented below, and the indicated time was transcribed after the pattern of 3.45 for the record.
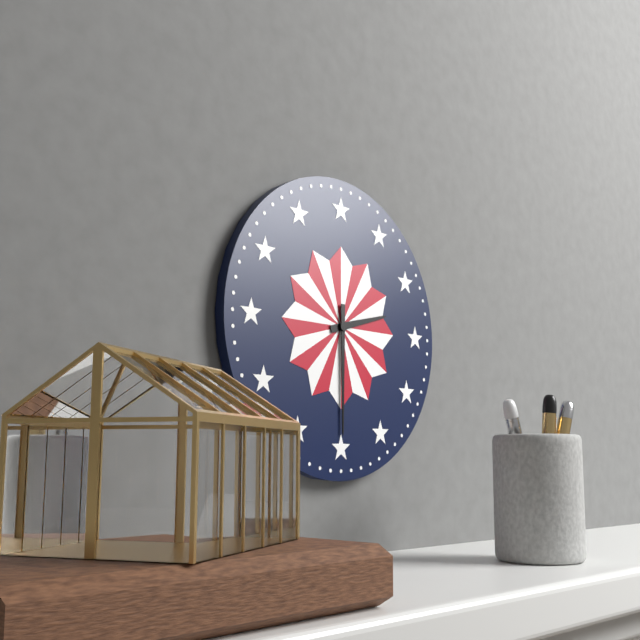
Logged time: 2.30
